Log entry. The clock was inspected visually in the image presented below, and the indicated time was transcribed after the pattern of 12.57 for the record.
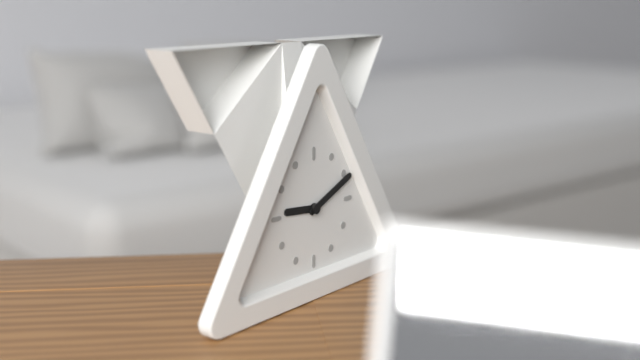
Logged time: 9.11
